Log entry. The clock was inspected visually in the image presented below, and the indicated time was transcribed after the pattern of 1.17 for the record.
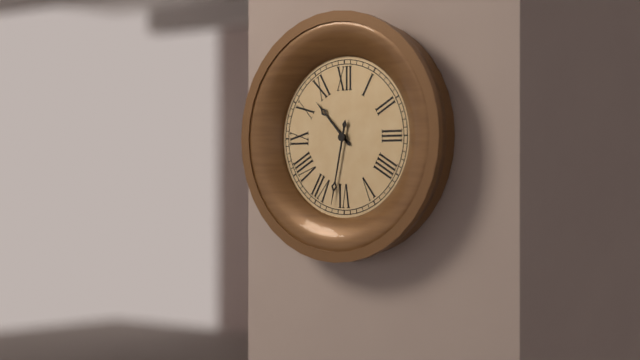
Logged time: 10.32
